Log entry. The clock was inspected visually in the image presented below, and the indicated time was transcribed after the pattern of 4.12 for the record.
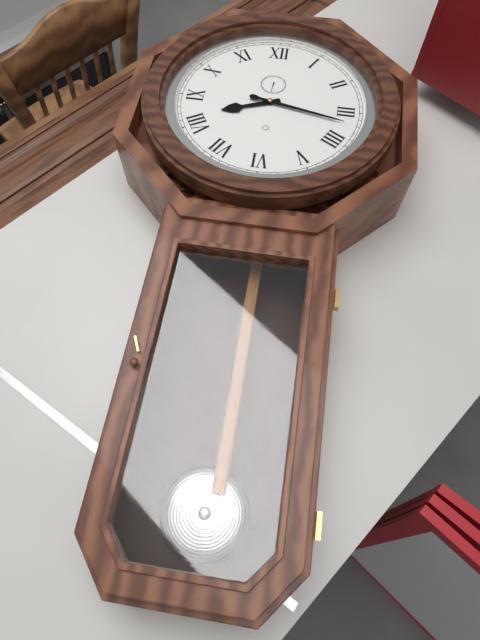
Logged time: 8.17
